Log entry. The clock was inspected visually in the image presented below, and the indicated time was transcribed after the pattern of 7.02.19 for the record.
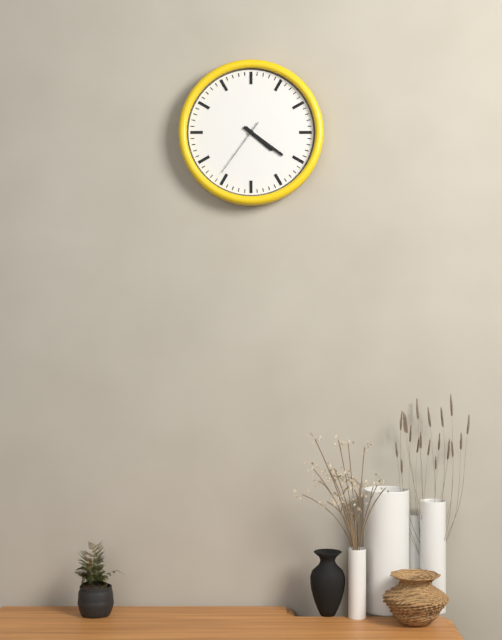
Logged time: 4.21.36
